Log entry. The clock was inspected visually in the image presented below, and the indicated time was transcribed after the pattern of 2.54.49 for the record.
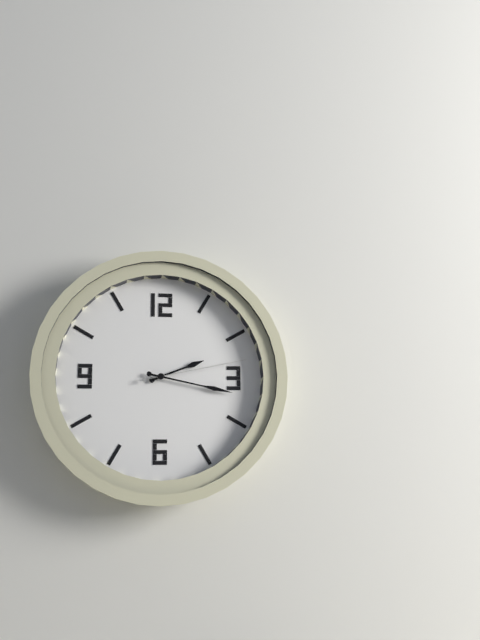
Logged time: 2.17.13
